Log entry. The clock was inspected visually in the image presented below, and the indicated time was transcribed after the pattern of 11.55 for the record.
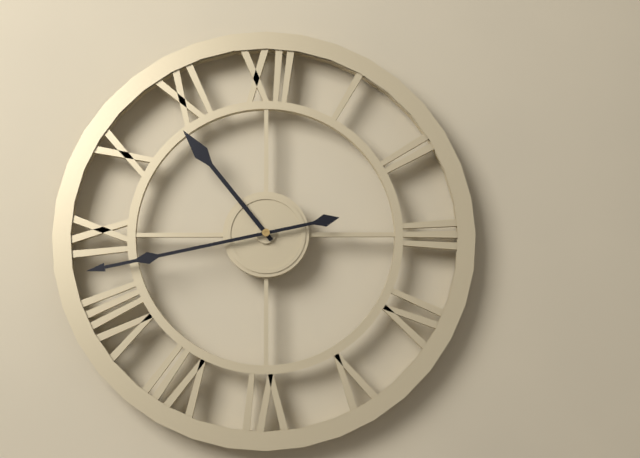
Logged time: 10.43
